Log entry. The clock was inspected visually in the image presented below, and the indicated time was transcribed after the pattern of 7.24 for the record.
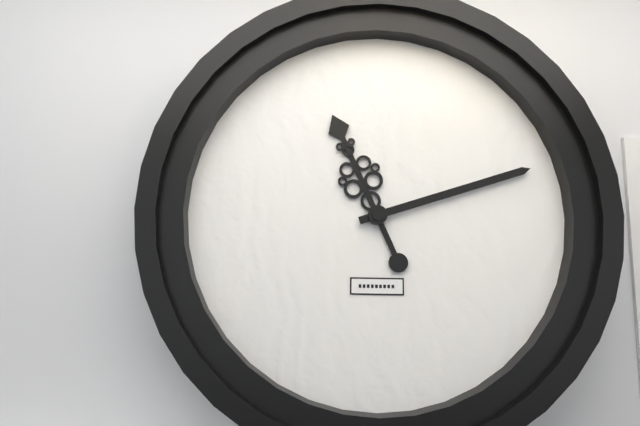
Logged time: 11.12
